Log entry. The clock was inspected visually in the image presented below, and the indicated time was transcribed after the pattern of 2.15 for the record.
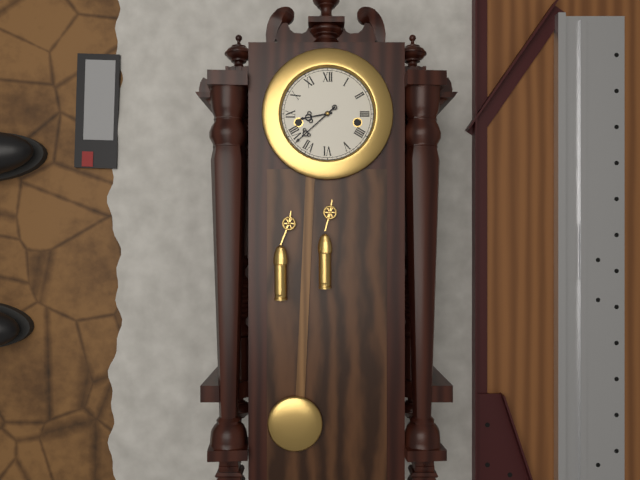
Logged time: 8.38
